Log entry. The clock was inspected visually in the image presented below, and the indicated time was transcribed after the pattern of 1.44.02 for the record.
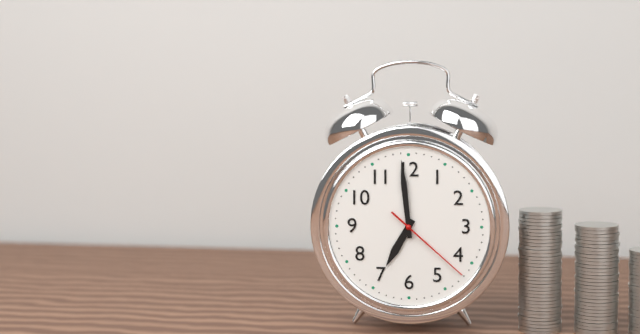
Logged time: 6.59.22
